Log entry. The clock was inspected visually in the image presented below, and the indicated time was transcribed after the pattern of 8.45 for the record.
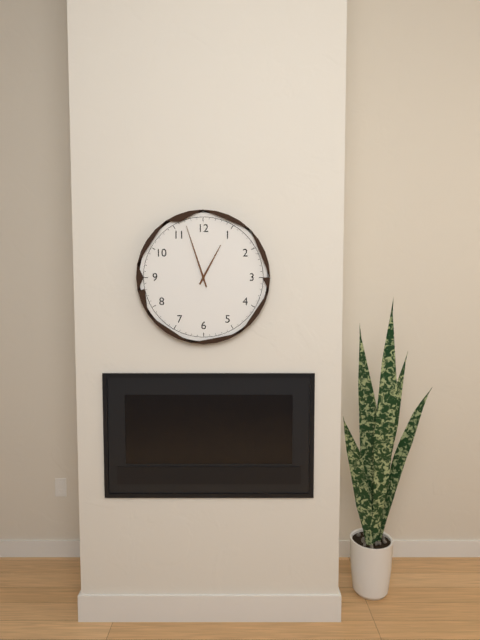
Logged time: 12.57
